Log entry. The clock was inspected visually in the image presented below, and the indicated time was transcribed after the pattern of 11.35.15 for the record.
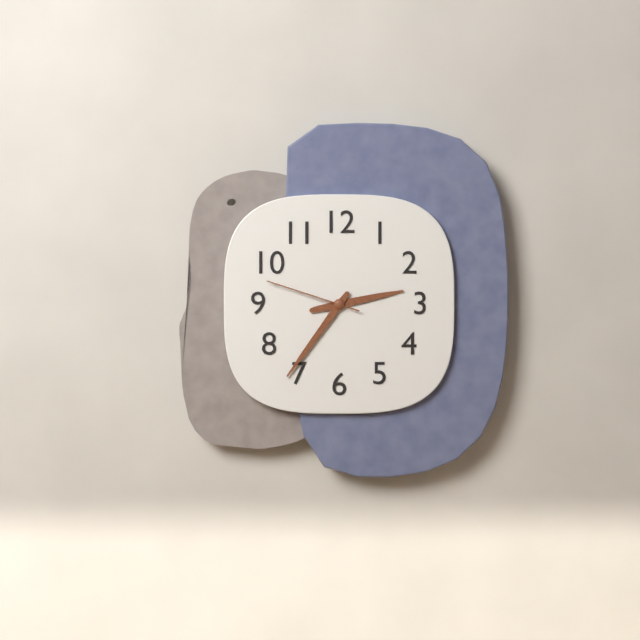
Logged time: 2.36.48
